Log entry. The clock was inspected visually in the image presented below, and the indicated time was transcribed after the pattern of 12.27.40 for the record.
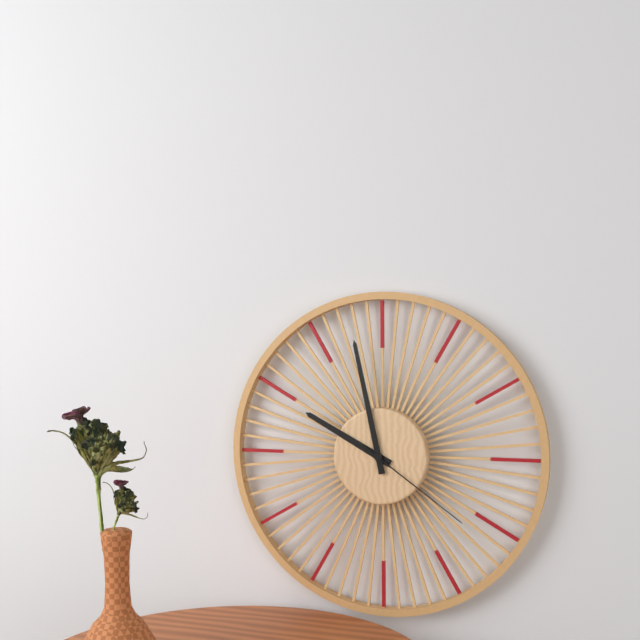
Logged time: 9.58.21
